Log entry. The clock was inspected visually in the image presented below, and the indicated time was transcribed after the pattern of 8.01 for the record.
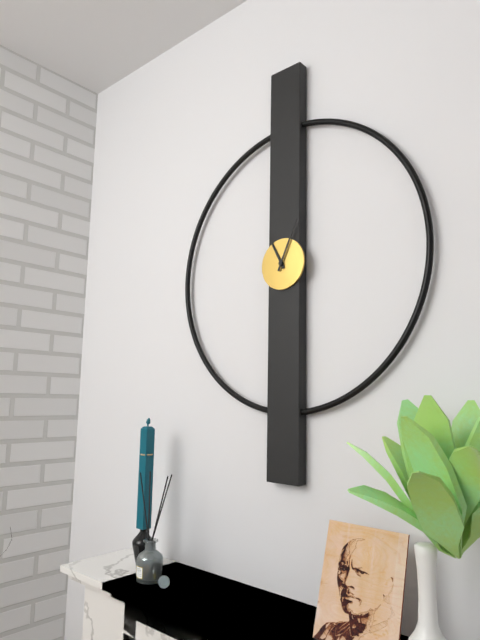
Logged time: 11.04
